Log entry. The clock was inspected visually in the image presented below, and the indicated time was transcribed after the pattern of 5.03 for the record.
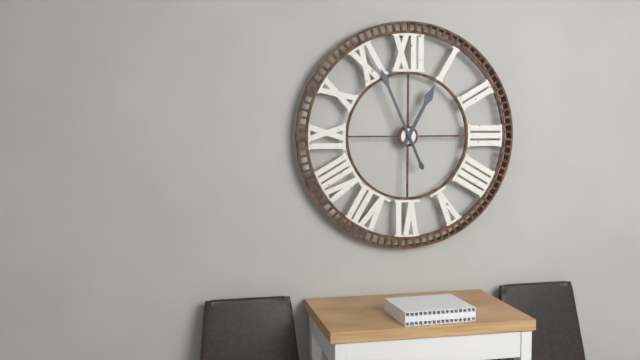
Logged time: 12.56
